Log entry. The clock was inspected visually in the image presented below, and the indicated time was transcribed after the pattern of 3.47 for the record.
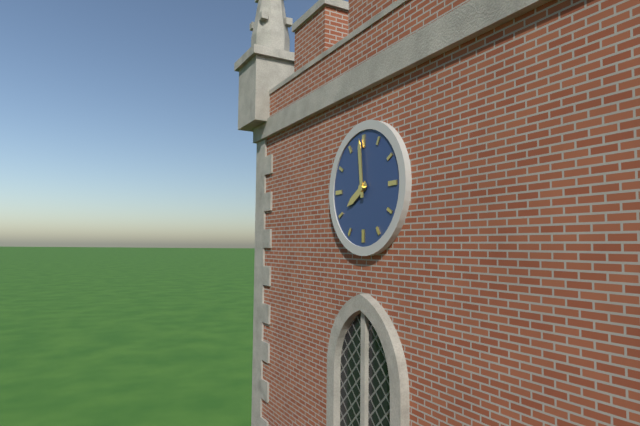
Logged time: 7.59
